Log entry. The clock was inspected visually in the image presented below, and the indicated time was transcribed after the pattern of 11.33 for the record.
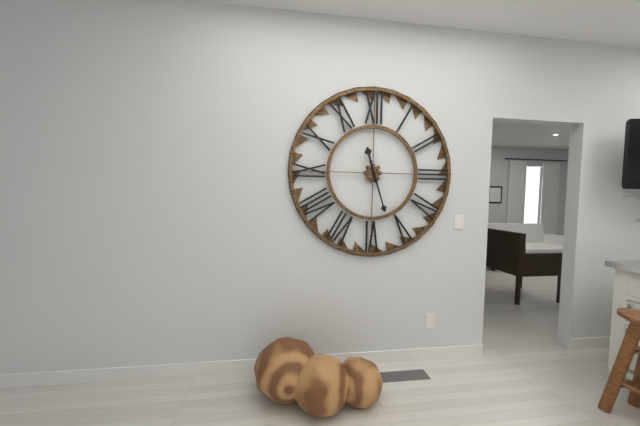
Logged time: 11.27
